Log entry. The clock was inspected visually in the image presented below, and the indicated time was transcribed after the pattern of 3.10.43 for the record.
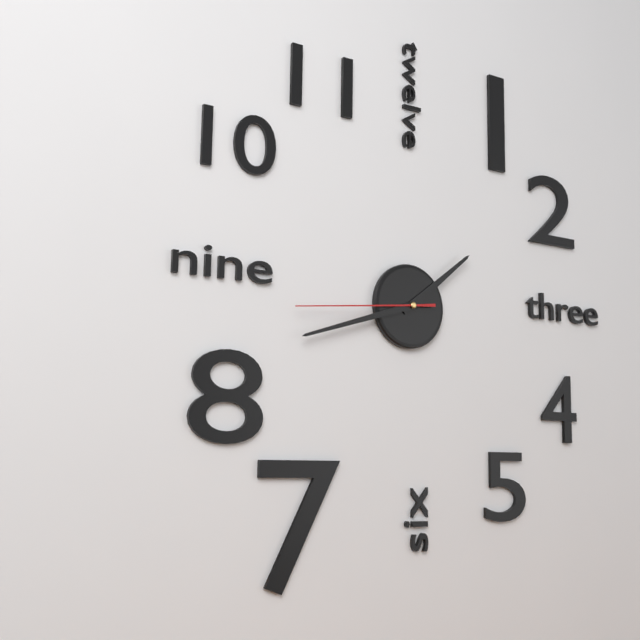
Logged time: 1.42.44
